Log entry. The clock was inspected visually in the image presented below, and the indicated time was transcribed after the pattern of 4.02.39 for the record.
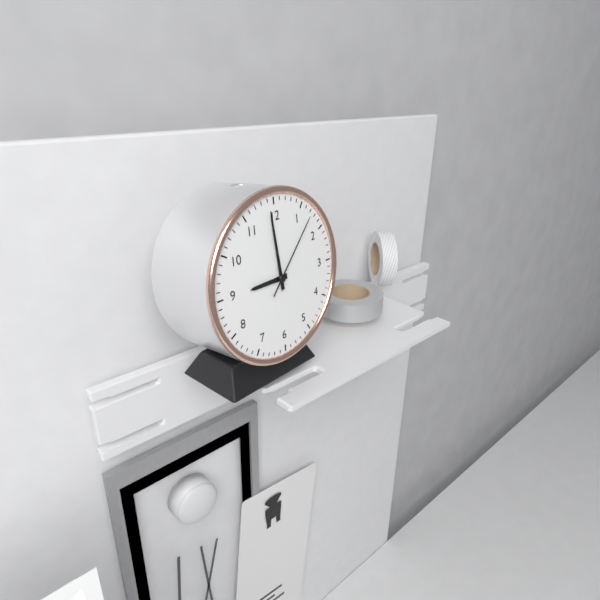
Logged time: 8.59.07
